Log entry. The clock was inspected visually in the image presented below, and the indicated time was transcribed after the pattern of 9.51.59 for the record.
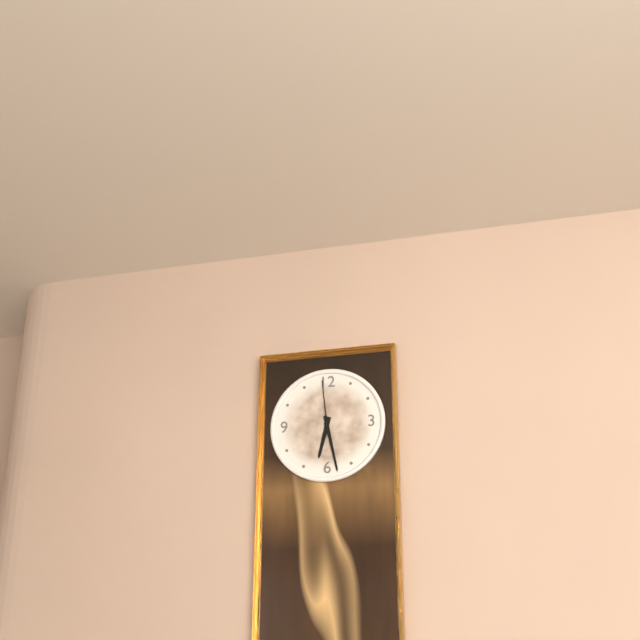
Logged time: 6.28.59
